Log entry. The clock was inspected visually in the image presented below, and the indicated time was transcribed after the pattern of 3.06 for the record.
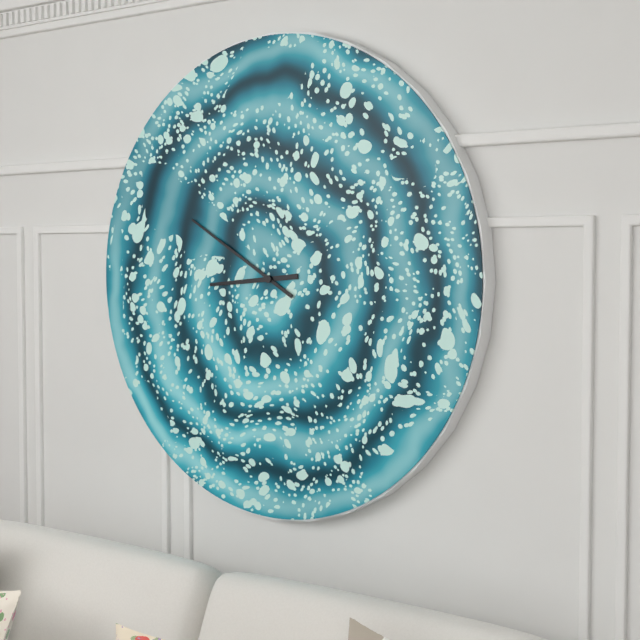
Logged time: 8.50
